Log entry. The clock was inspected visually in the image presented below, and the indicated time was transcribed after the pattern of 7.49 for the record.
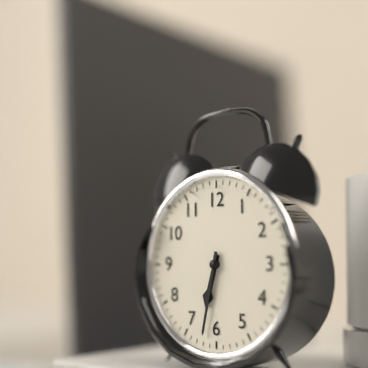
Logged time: 6.32
